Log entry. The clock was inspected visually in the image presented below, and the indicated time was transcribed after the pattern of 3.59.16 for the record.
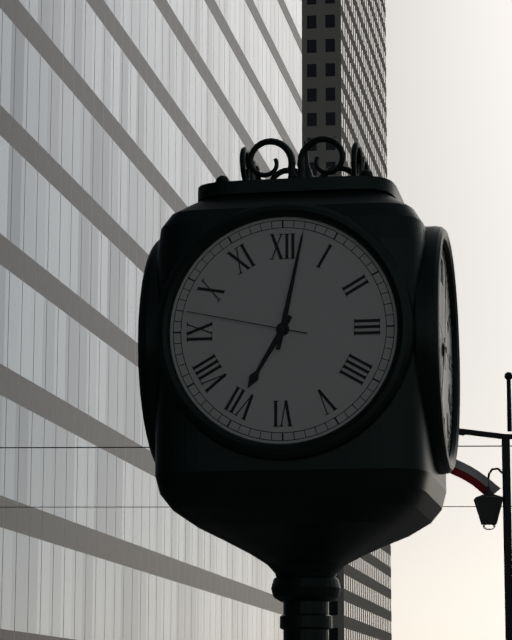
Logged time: 7.02.47
